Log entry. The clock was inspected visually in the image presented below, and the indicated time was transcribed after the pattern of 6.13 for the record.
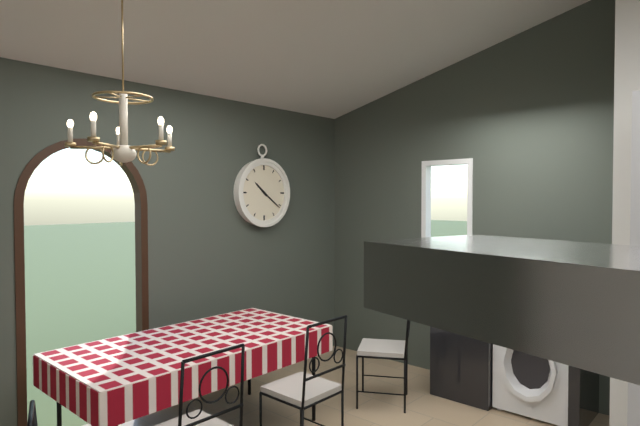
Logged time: 10.21
